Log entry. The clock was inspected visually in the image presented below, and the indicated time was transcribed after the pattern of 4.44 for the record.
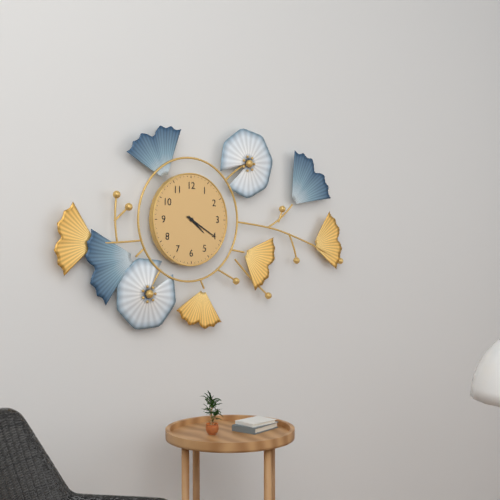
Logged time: 4.20
